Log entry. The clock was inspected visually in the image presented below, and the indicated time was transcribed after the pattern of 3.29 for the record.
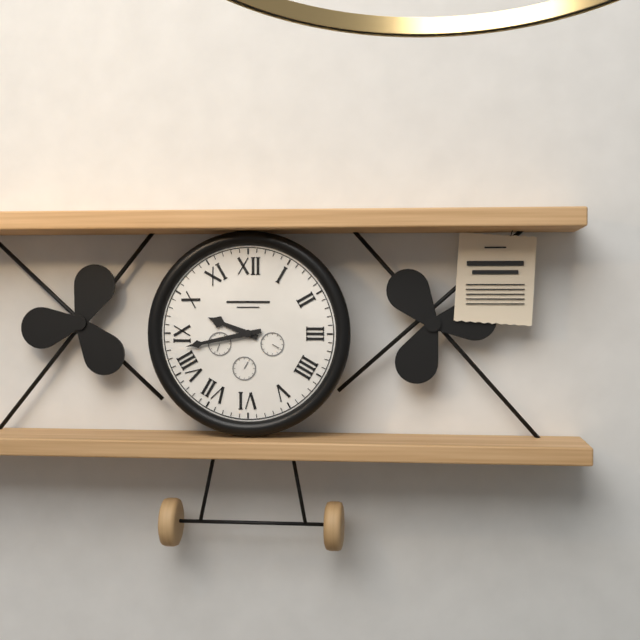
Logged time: 9.43
